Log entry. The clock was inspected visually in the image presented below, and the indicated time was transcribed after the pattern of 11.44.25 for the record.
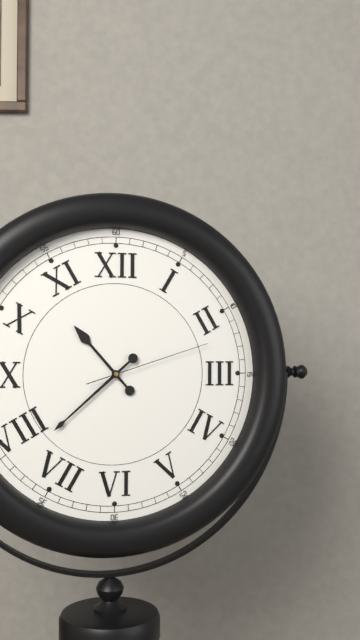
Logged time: 10.38.12
